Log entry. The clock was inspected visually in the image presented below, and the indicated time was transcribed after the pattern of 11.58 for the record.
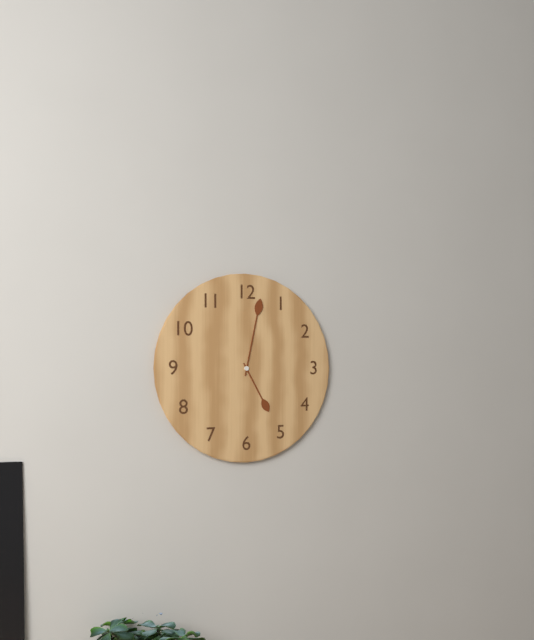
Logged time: 5.02
